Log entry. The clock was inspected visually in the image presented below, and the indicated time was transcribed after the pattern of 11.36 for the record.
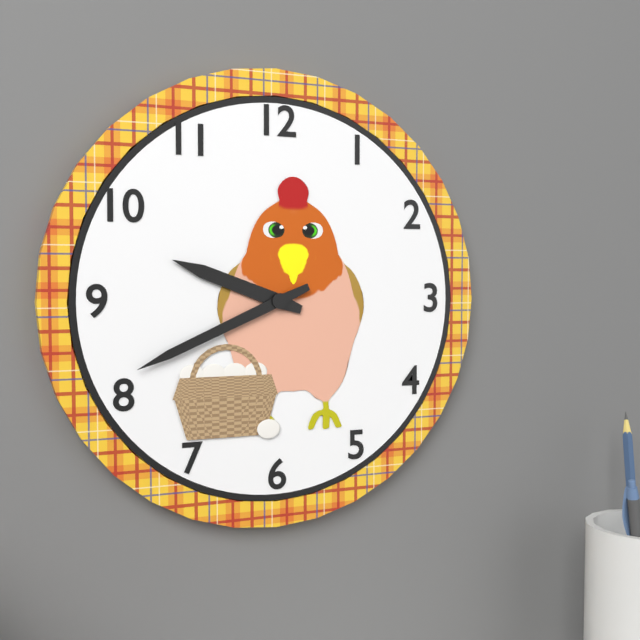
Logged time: 9.41
